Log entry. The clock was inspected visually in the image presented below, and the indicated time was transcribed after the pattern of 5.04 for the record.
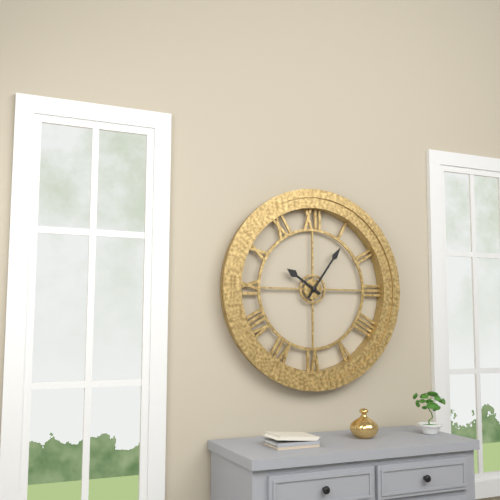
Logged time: 10.06
